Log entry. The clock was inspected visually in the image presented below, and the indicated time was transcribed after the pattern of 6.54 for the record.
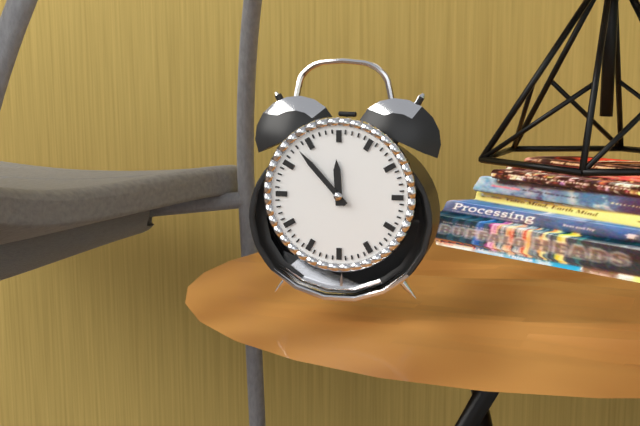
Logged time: 11.53
